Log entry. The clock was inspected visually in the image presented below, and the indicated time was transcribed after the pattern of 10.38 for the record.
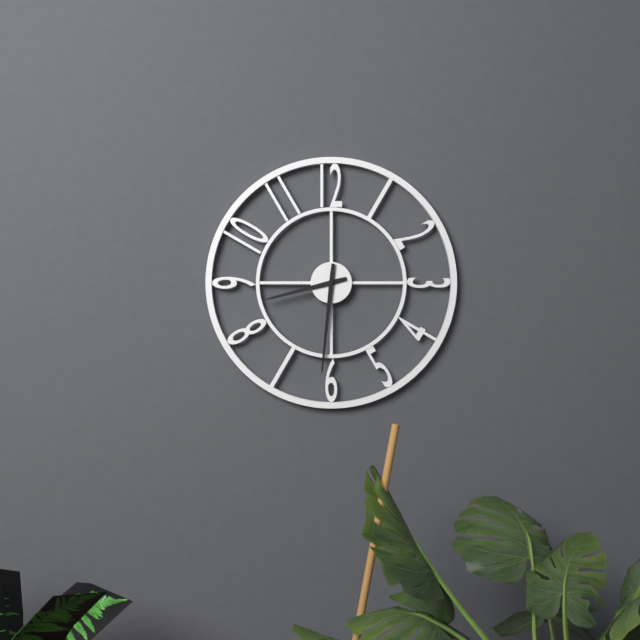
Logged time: 8.31
